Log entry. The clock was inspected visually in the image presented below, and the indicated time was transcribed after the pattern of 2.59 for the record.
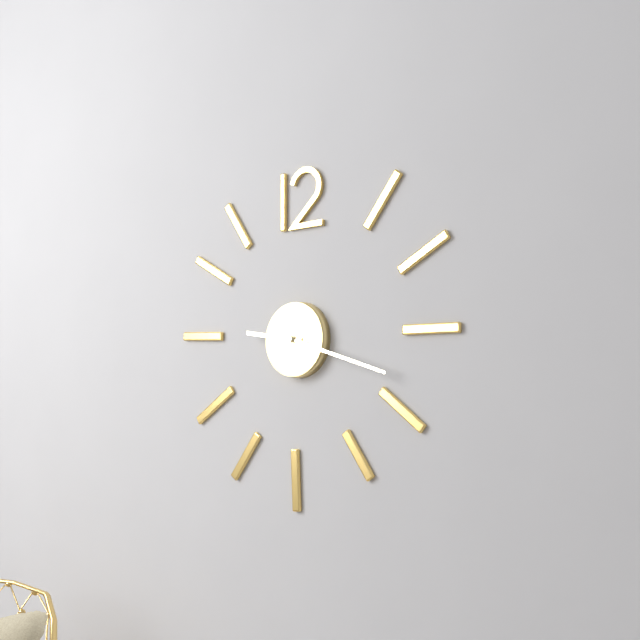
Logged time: 9.18
